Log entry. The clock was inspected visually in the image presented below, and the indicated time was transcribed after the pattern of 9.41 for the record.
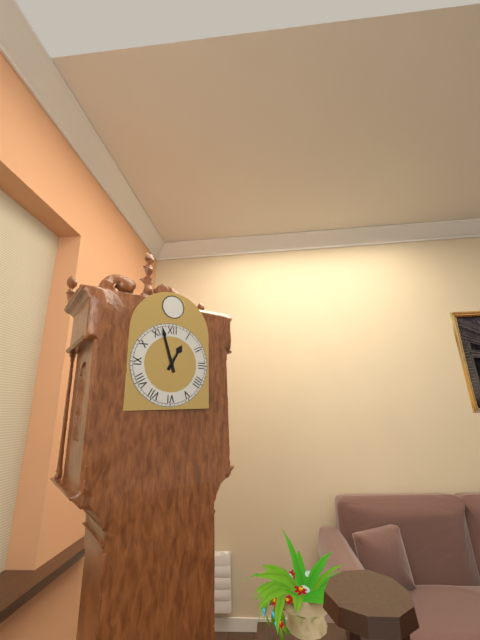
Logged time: 12.57
